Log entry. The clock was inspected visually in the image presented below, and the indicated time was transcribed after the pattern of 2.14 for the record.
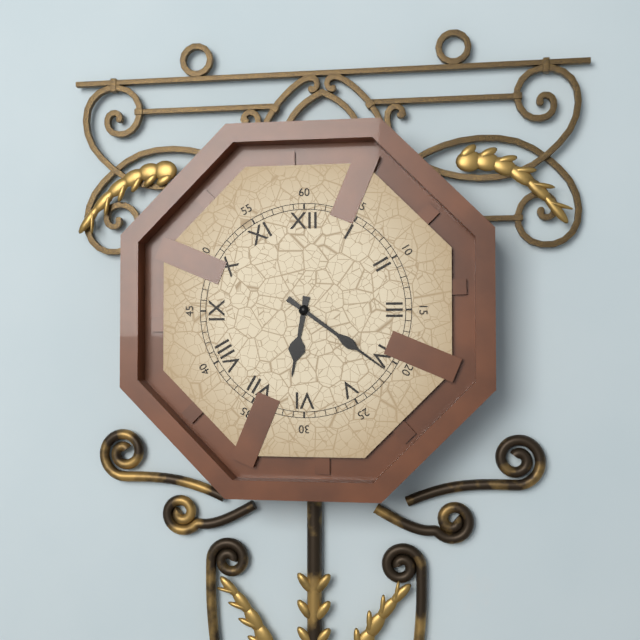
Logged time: 6.21
